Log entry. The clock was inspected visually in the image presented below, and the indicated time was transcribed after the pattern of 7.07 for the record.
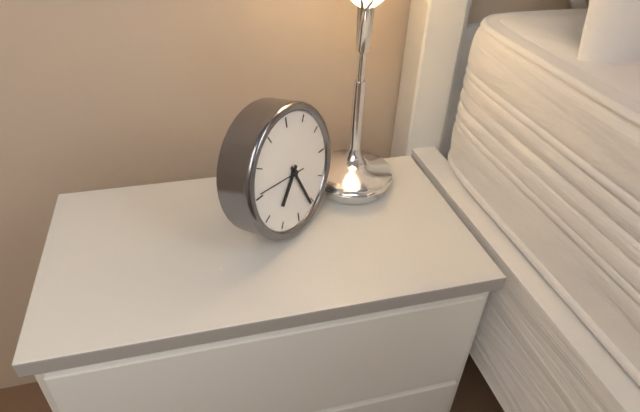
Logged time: 7.26
